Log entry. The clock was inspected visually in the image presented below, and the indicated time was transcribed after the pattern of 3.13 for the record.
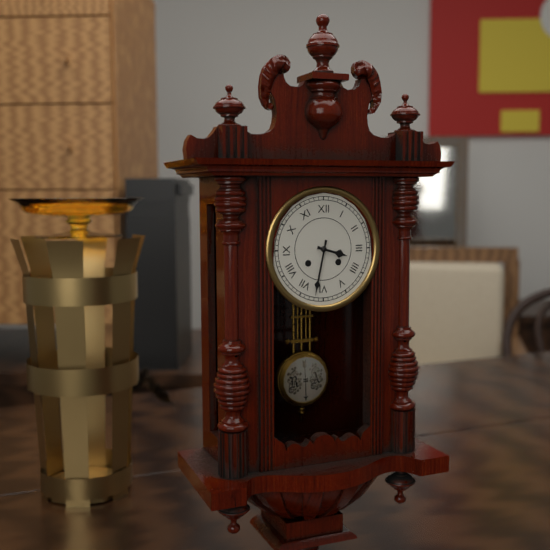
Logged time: 3.32
